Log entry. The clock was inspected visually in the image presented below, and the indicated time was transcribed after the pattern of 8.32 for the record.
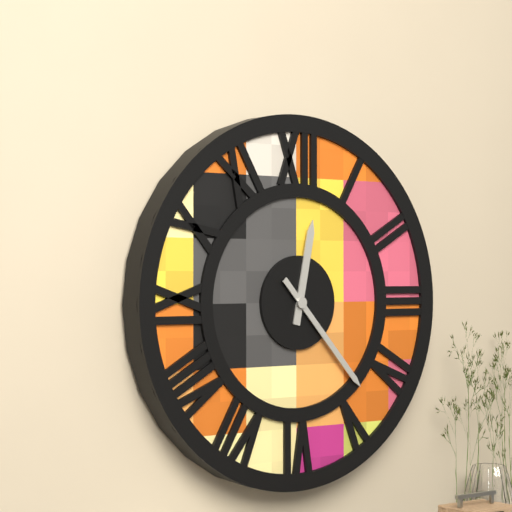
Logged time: 12.23
